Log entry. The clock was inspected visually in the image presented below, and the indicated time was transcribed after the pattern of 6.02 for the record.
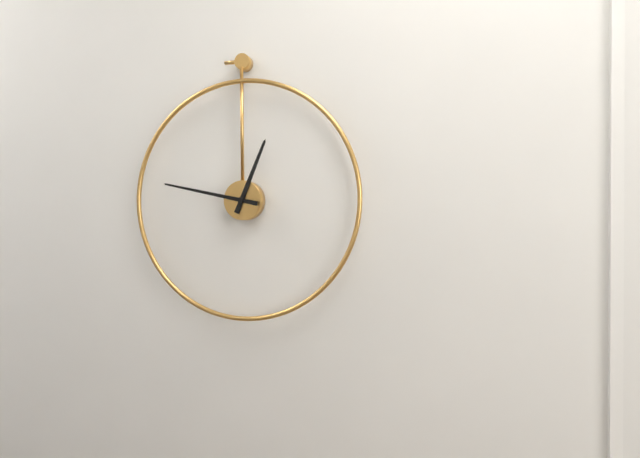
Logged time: 12.47
